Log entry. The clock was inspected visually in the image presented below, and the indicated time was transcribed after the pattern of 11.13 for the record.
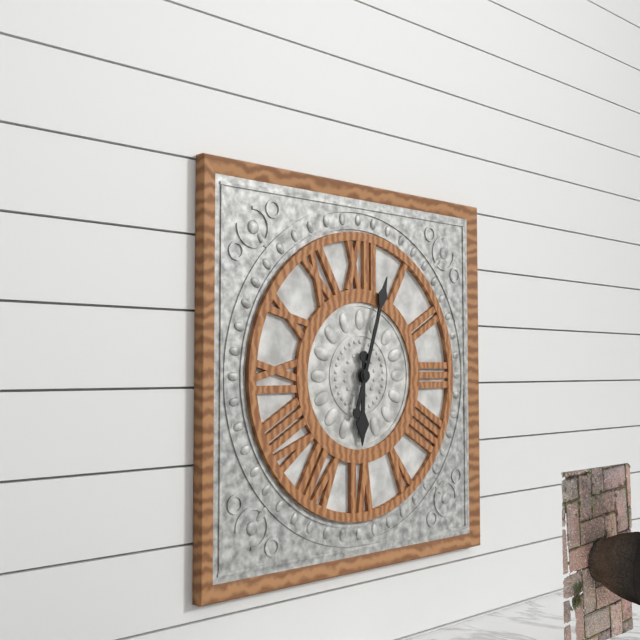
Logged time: 6.03
